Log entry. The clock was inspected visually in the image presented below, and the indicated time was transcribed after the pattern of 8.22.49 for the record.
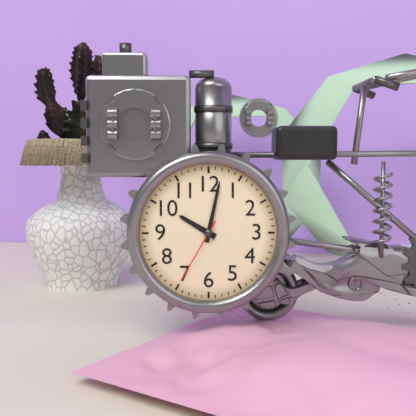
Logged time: 10.02.35
